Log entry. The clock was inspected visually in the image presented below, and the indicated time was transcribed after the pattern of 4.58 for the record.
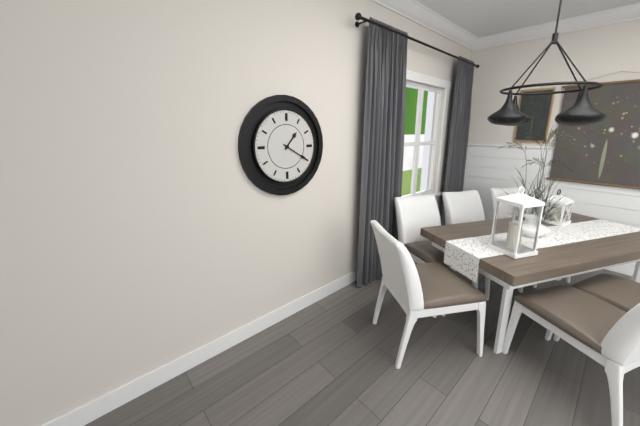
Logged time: 1.20
